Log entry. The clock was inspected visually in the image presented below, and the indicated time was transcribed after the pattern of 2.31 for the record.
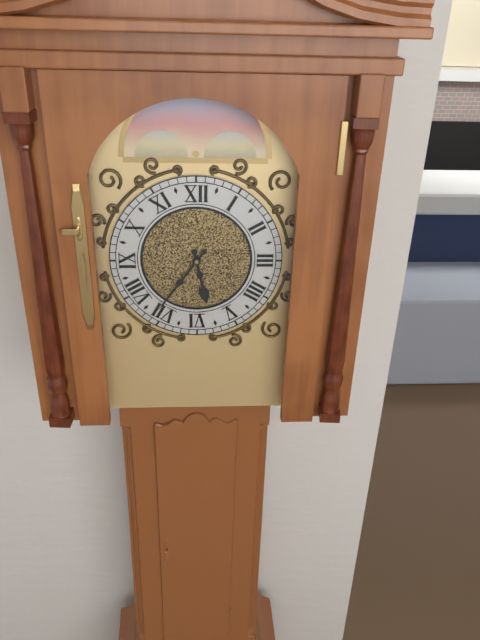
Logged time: 5.36
